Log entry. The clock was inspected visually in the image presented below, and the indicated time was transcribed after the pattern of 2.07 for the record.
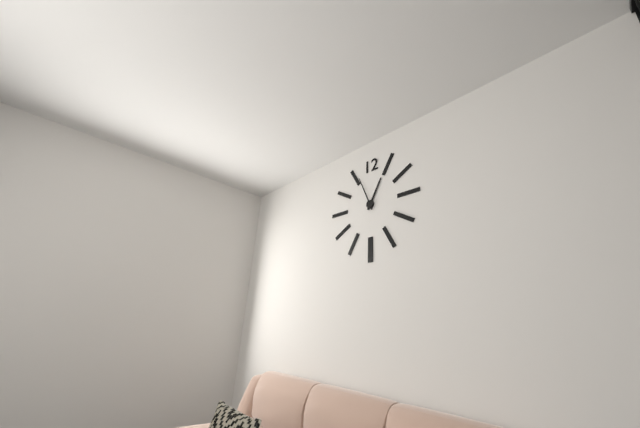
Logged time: 12.56
